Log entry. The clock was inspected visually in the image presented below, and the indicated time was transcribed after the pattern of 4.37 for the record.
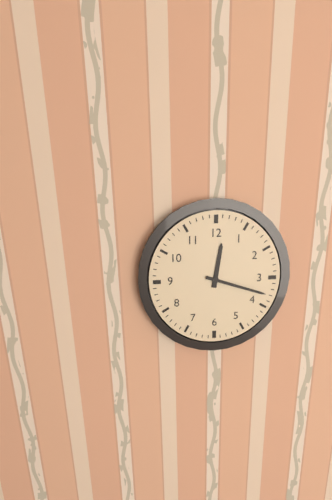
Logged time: 12.18
